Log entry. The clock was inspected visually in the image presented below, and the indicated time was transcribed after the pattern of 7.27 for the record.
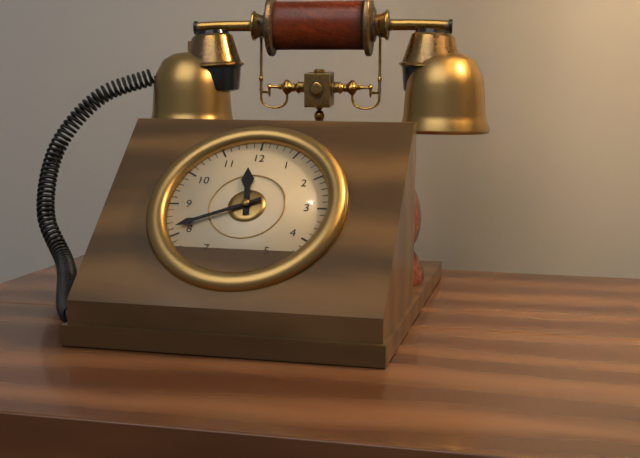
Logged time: 11.41
